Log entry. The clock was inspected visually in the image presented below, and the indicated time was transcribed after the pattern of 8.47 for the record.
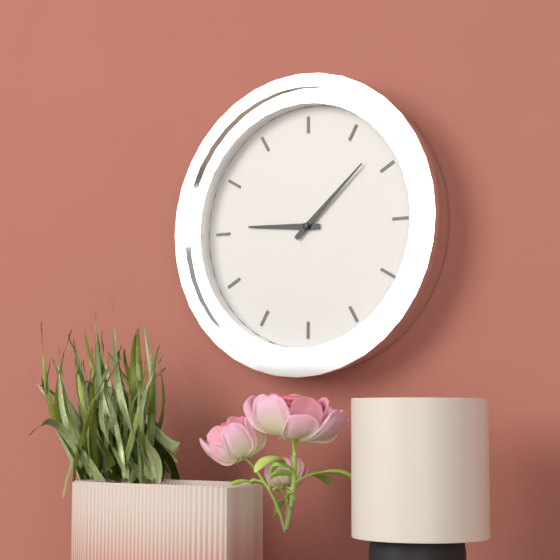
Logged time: 9.08
